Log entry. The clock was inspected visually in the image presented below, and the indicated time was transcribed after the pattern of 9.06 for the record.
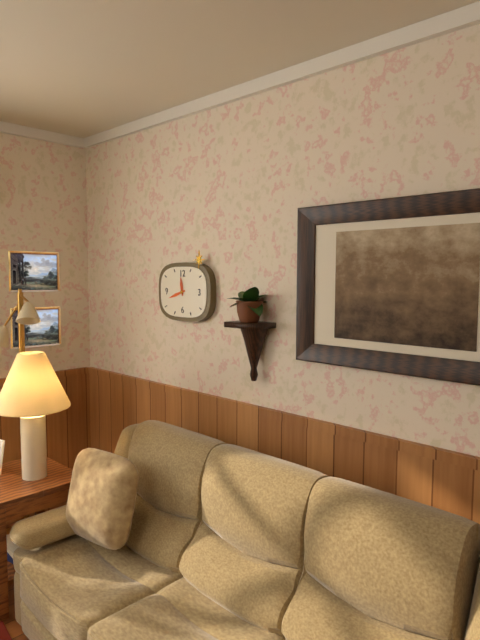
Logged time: 11.42
